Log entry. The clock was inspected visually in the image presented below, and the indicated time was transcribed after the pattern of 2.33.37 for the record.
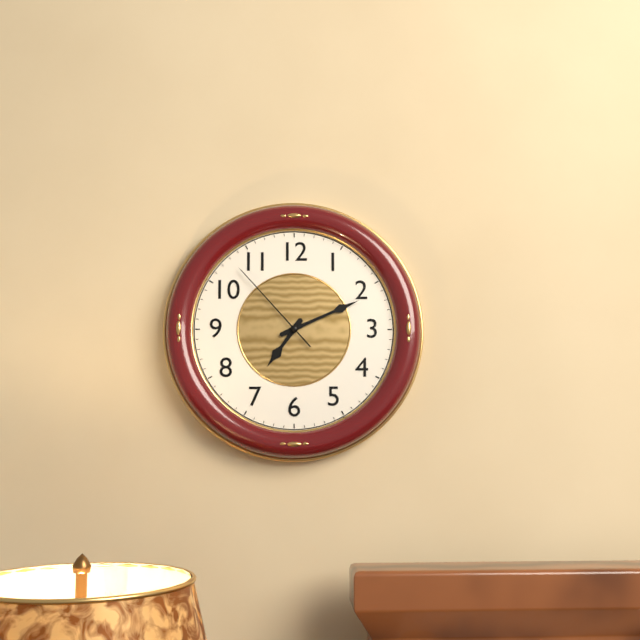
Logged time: 7.11.53
